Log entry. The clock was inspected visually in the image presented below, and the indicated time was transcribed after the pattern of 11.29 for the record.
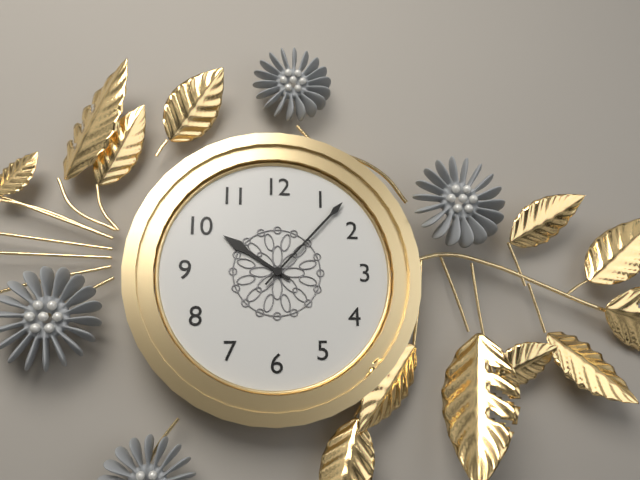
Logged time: 10.07
